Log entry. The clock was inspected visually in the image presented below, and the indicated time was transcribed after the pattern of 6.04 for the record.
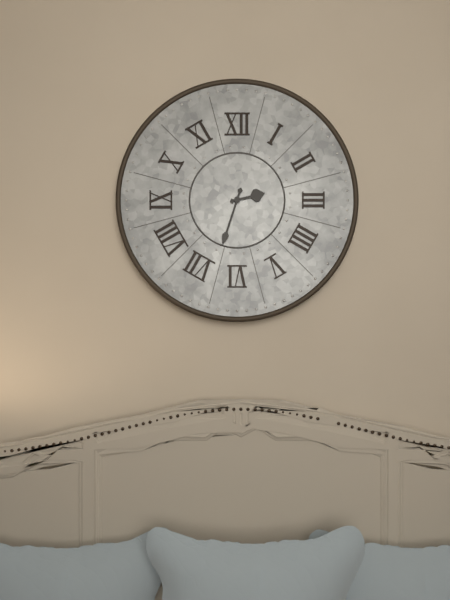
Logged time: 2.33
